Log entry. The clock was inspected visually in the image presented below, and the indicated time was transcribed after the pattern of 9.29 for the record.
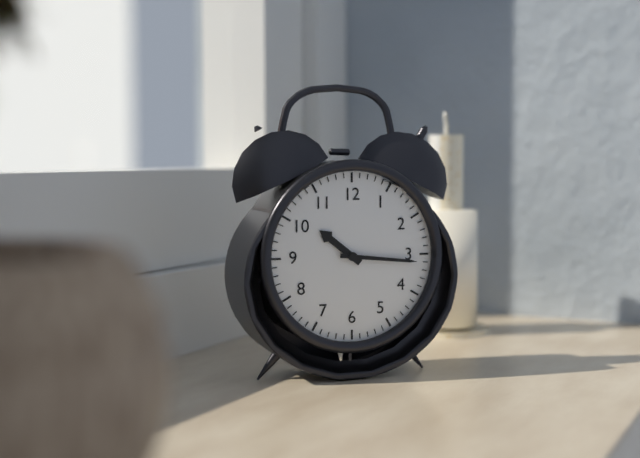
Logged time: 10.16
